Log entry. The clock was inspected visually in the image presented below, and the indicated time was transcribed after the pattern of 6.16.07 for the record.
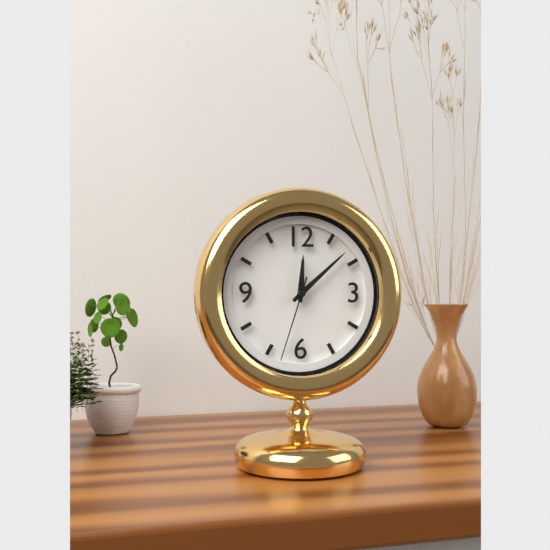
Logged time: 12.08.33
